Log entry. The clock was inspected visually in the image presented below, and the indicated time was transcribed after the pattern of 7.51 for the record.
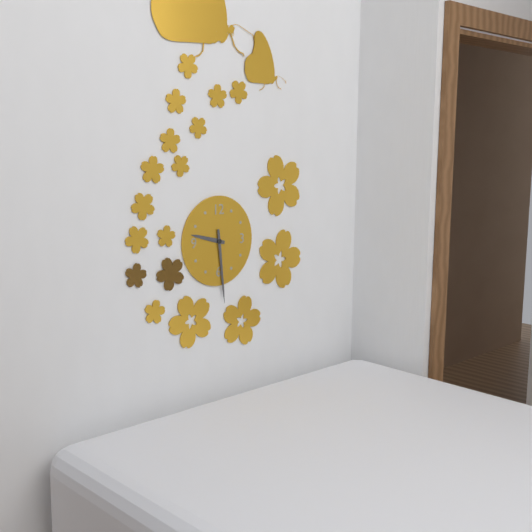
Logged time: 9.29
